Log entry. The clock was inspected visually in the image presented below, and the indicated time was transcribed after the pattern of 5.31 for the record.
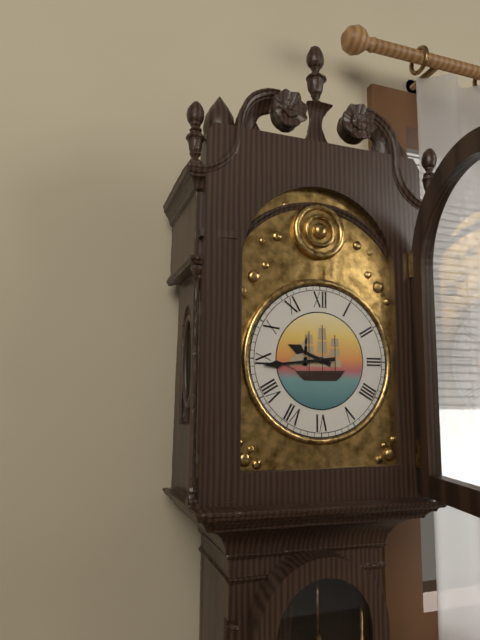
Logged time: 9.44
